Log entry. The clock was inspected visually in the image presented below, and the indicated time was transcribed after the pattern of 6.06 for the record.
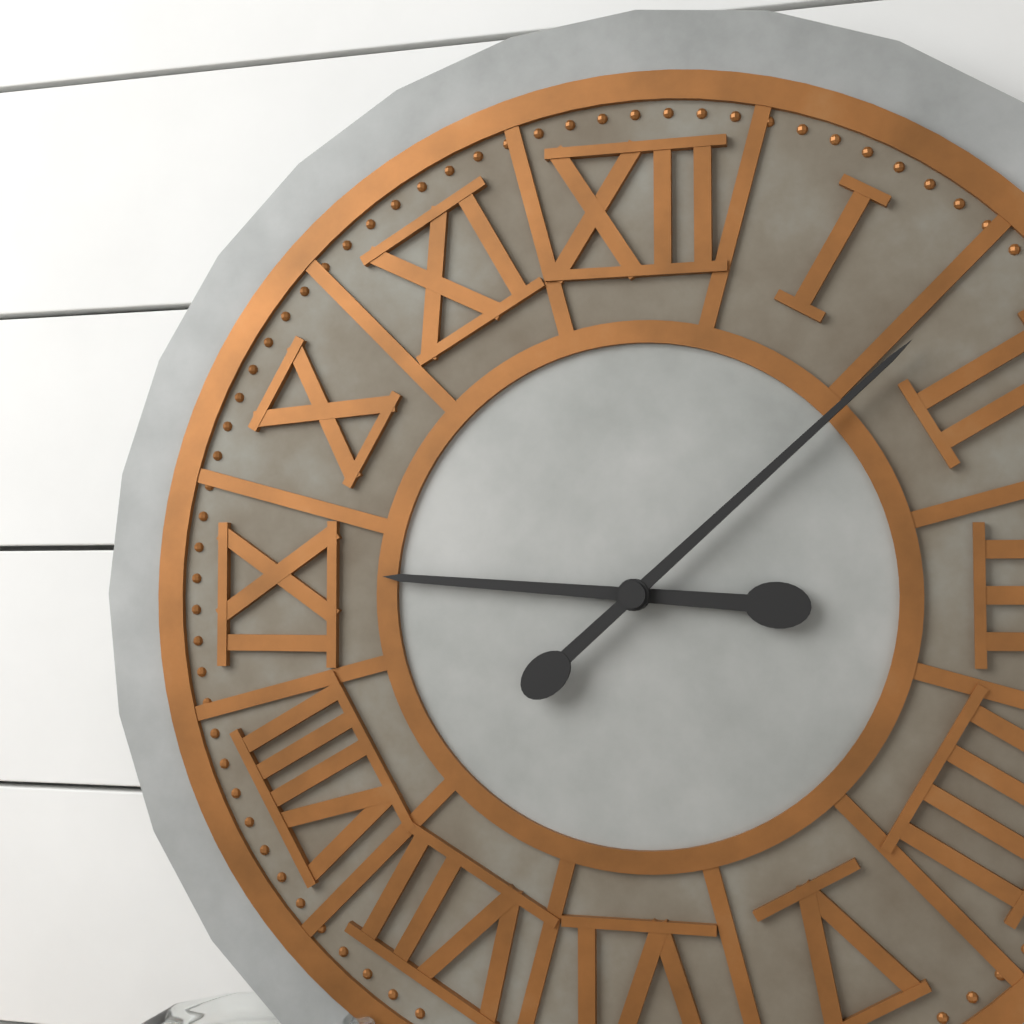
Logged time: 9.08
